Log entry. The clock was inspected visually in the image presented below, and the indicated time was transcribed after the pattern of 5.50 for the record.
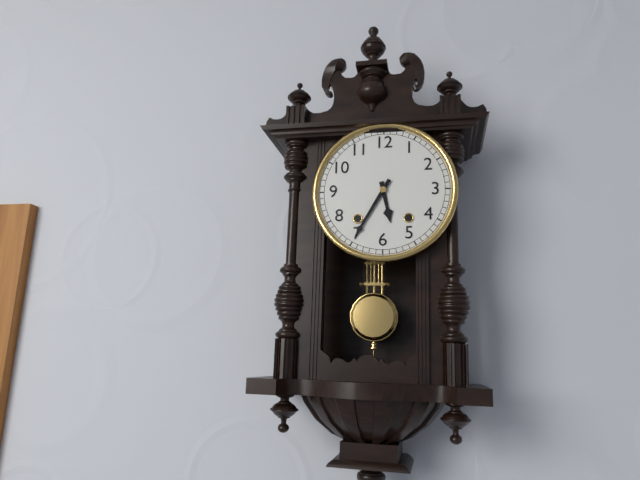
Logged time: 5.35
